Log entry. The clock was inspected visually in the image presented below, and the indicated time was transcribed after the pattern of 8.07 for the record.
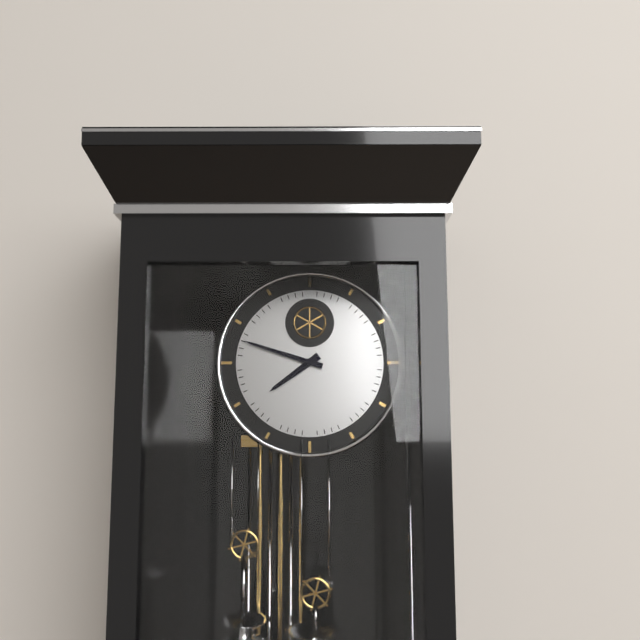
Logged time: 7.48
